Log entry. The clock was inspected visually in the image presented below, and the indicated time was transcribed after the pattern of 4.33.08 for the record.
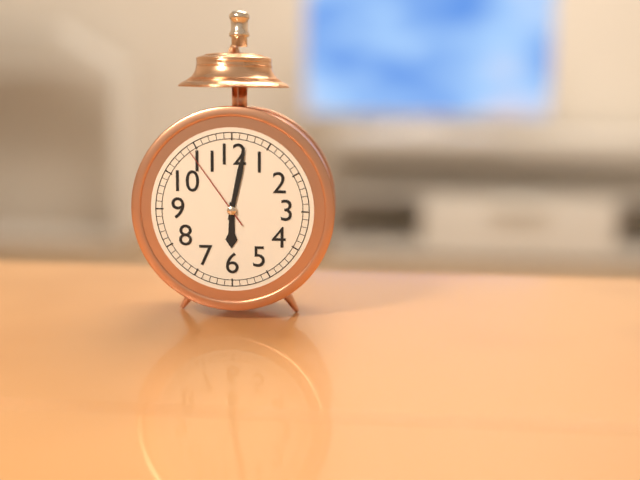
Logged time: 6.02.54
